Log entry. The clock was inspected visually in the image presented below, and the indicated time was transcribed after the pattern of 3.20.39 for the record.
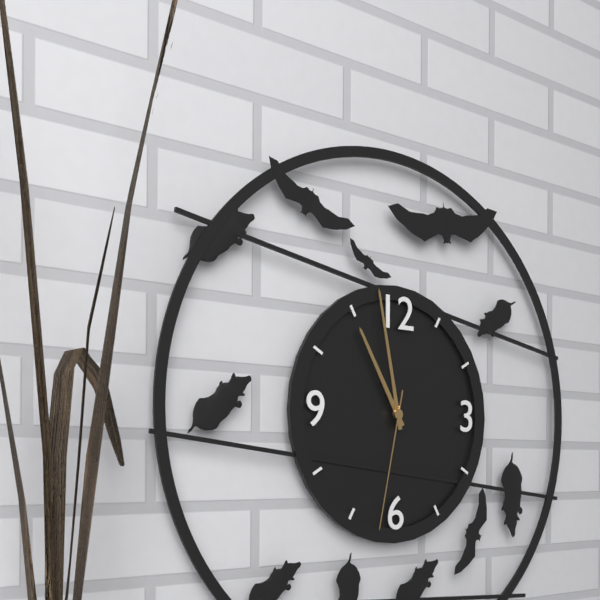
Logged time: 10.58.32
